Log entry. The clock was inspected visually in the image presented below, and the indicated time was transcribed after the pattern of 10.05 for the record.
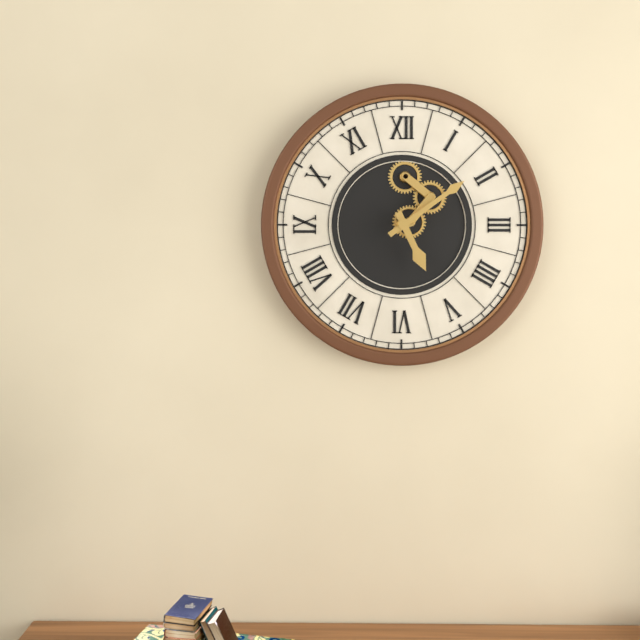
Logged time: 5.09
